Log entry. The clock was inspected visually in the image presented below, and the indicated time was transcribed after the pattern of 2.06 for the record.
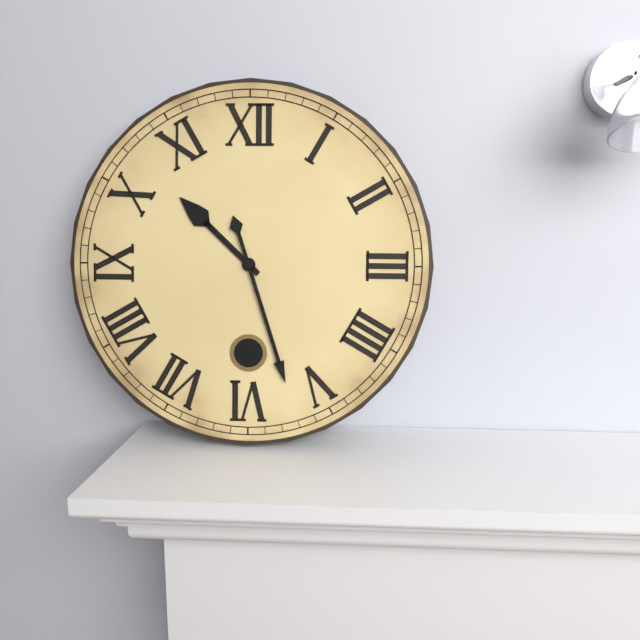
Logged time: 10.27
